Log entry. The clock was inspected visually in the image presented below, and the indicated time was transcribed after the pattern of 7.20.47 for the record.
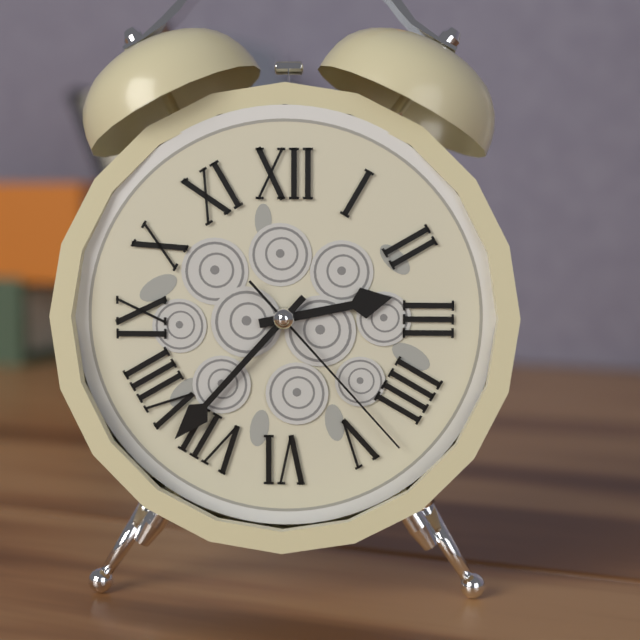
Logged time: 2.37.23
